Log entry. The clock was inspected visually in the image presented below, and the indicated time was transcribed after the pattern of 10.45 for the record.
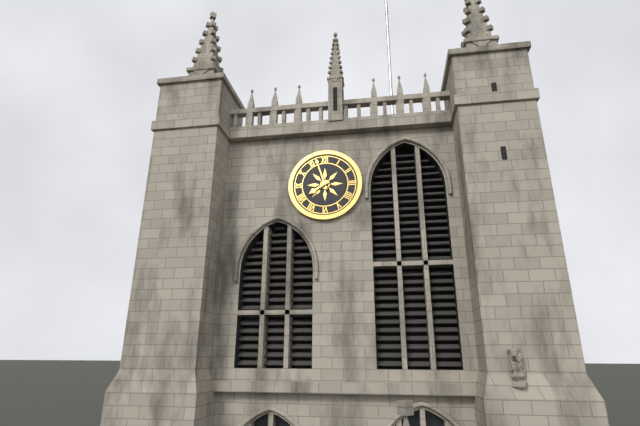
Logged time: 7.57
